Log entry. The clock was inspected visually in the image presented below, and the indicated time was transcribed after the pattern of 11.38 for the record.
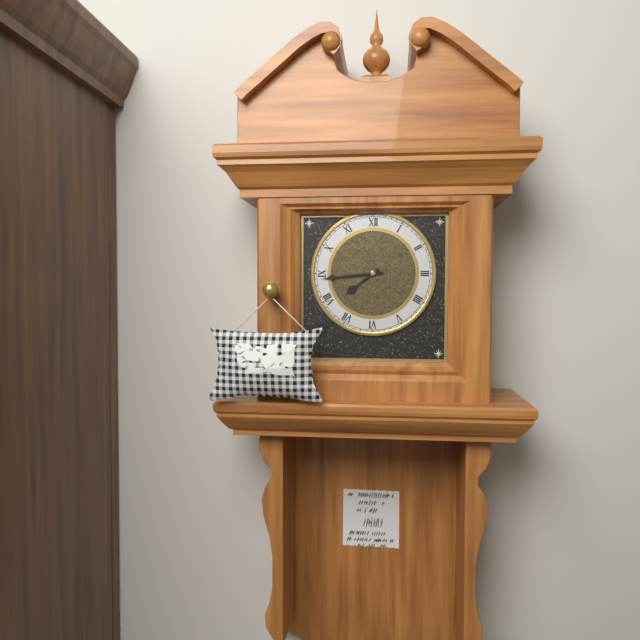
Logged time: 7.44
